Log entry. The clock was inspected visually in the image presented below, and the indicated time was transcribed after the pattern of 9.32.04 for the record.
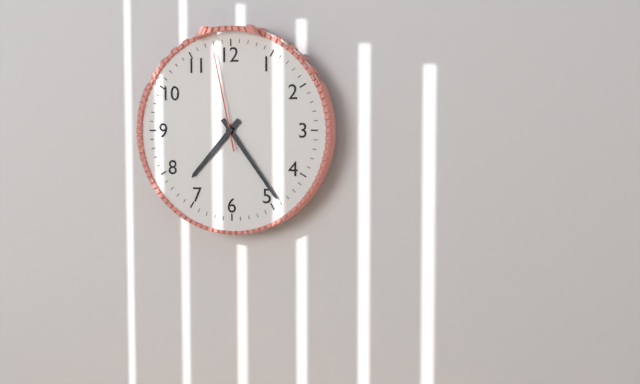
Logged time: 7.24.58
